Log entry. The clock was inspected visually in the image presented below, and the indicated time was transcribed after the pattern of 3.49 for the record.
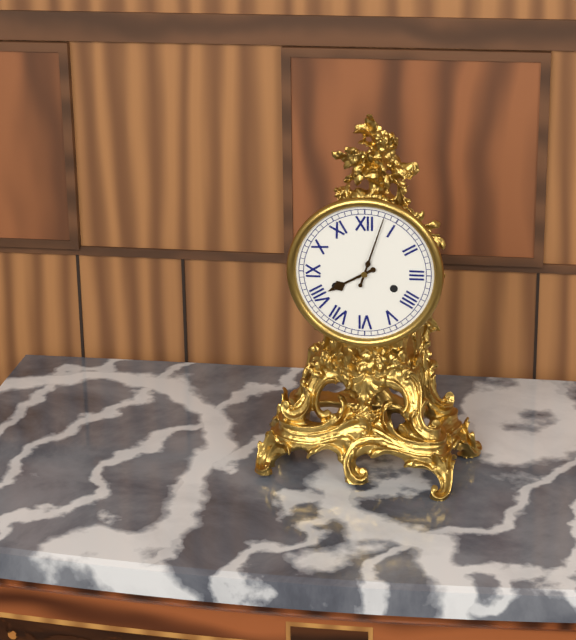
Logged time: 8.03
